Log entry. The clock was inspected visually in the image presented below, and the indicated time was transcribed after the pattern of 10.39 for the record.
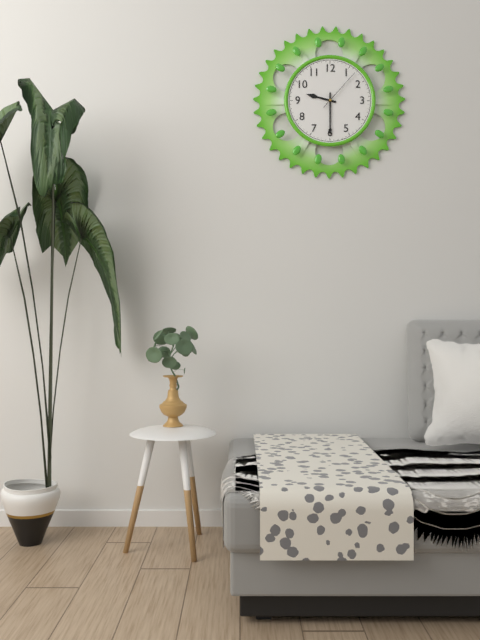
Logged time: 9.30
